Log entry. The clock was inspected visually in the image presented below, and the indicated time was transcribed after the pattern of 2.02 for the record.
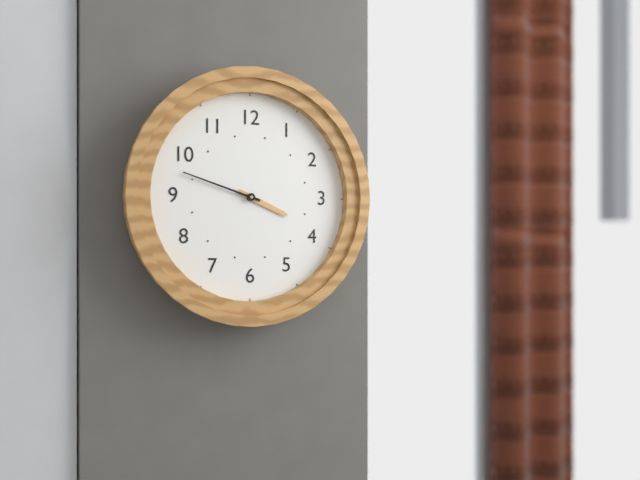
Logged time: 3.48
